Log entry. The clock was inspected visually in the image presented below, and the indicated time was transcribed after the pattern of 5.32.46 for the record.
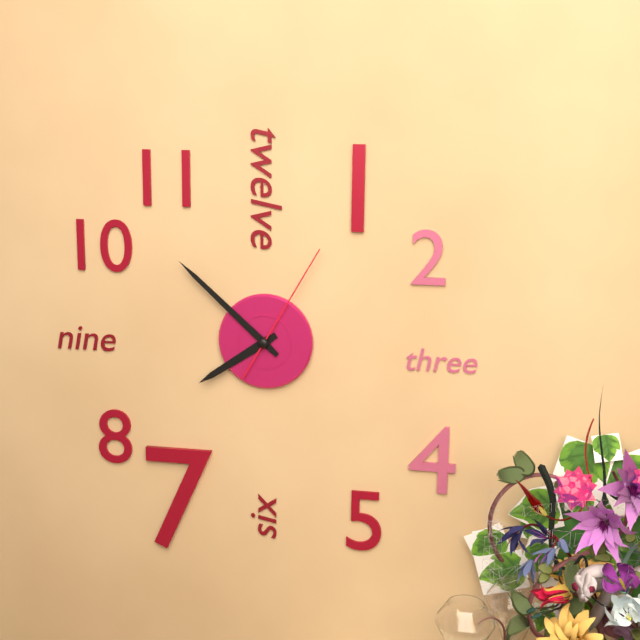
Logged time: 7.52.05
